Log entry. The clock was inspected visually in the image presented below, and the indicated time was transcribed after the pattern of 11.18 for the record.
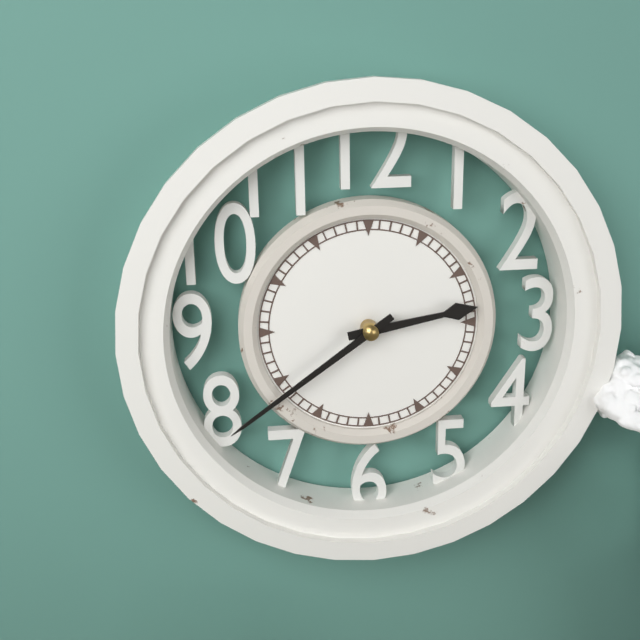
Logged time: 2.39
